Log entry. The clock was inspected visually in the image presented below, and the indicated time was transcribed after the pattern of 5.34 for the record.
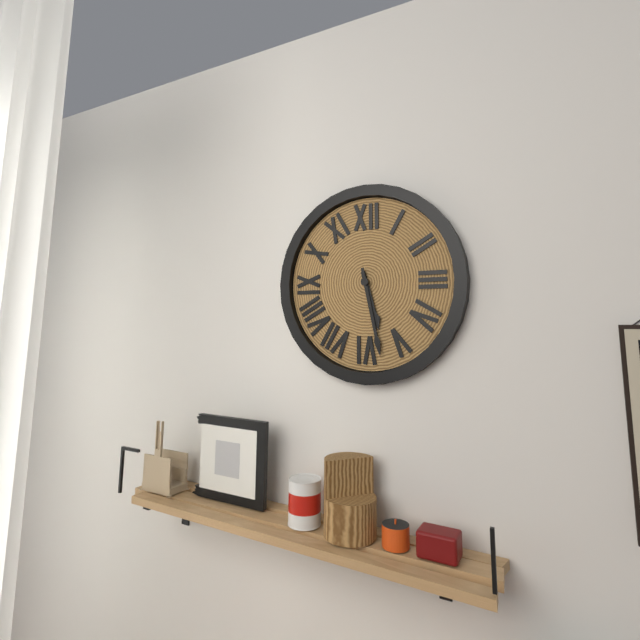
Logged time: 5.28
